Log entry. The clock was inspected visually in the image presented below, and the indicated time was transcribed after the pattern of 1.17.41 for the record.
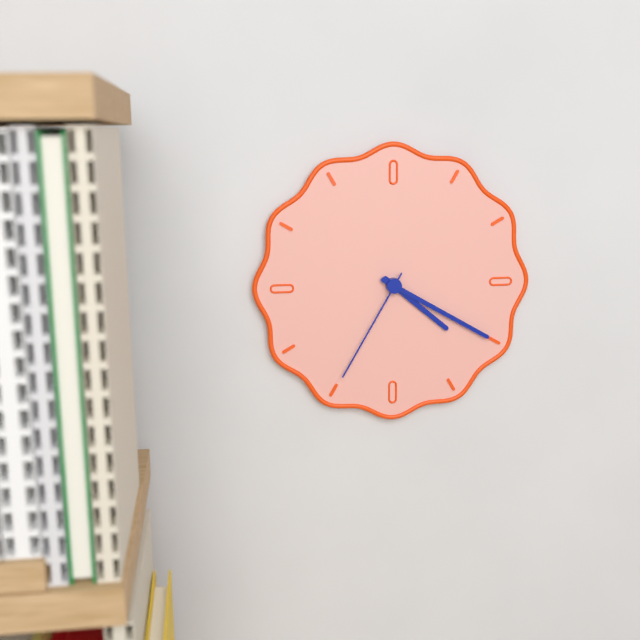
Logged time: 4.20.35
